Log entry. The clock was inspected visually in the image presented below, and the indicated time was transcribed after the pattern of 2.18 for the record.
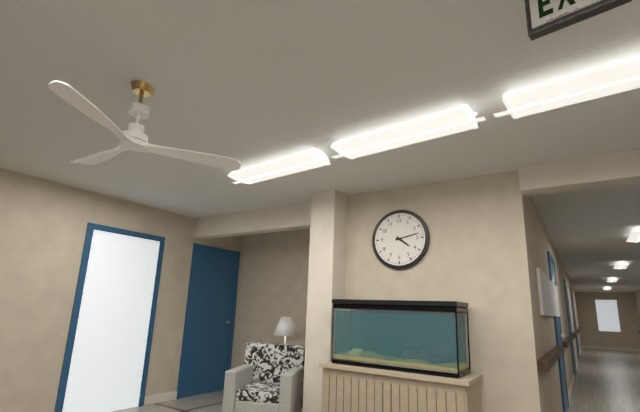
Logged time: 4.13
